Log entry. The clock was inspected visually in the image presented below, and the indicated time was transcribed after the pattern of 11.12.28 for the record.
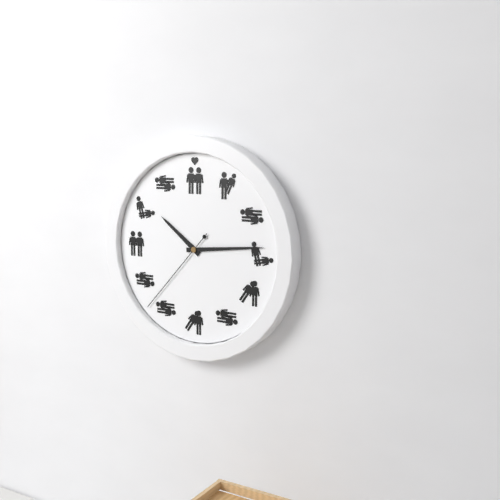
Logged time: 10.14.37
